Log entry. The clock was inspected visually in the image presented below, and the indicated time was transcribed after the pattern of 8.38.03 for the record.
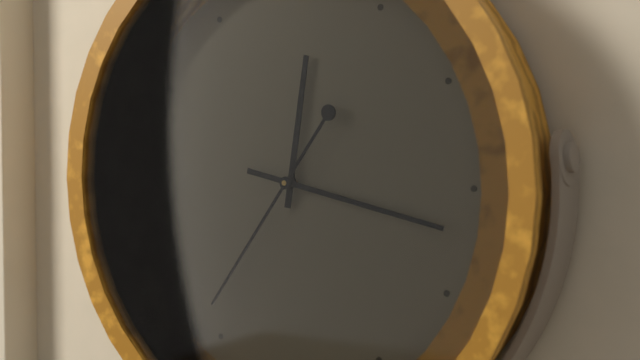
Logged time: 12.17.36
